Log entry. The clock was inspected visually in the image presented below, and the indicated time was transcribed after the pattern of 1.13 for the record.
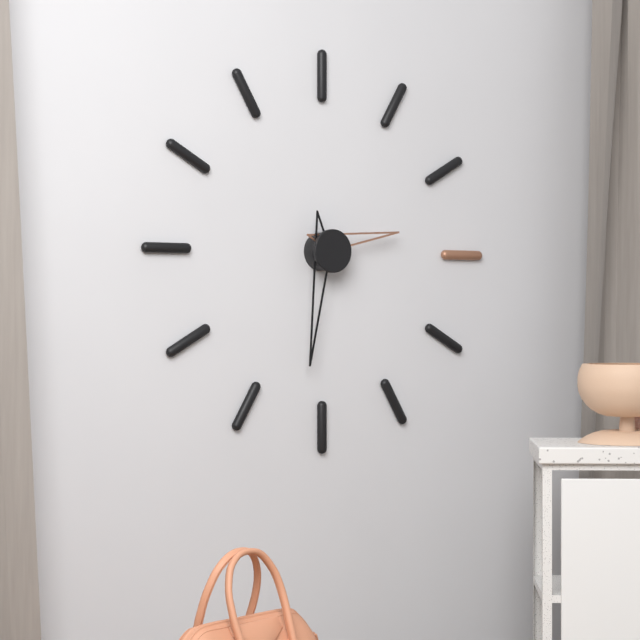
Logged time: 2.32
